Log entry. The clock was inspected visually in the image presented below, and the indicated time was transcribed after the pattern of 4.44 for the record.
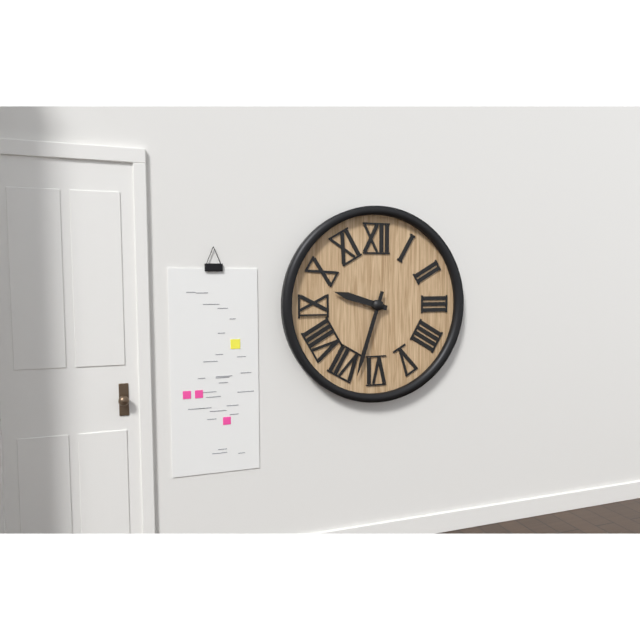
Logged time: 9.33
